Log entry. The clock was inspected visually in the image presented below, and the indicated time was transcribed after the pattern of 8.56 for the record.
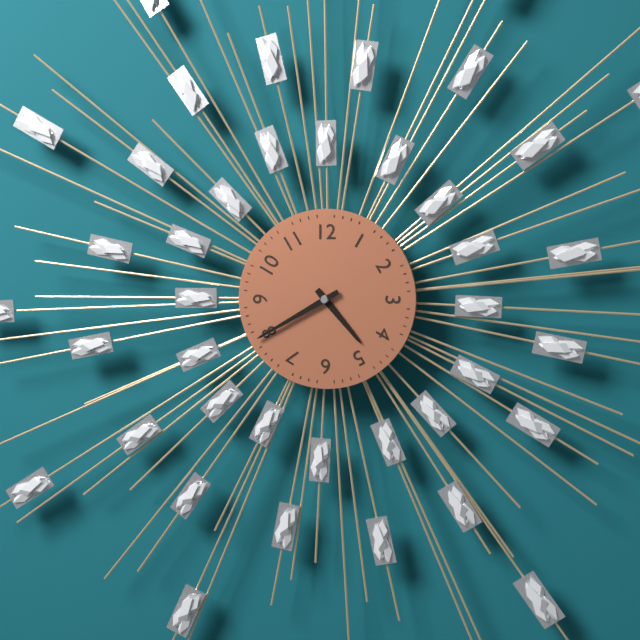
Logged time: 4.40
